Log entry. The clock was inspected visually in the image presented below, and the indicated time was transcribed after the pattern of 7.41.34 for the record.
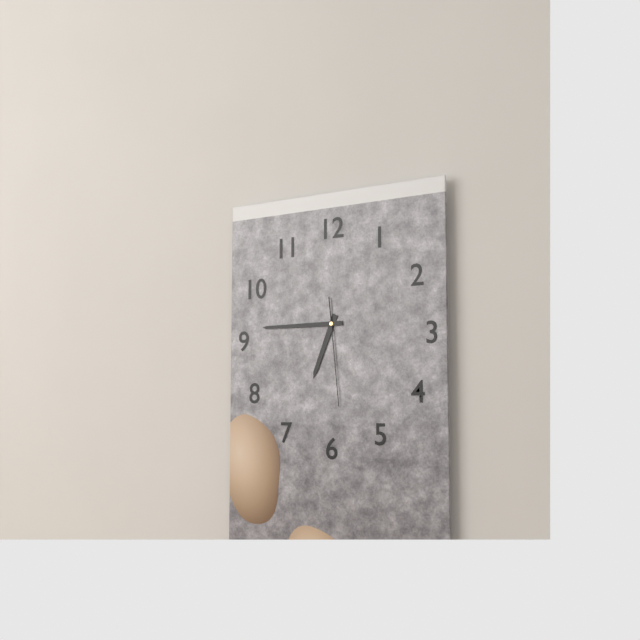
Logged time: 6.45.29
